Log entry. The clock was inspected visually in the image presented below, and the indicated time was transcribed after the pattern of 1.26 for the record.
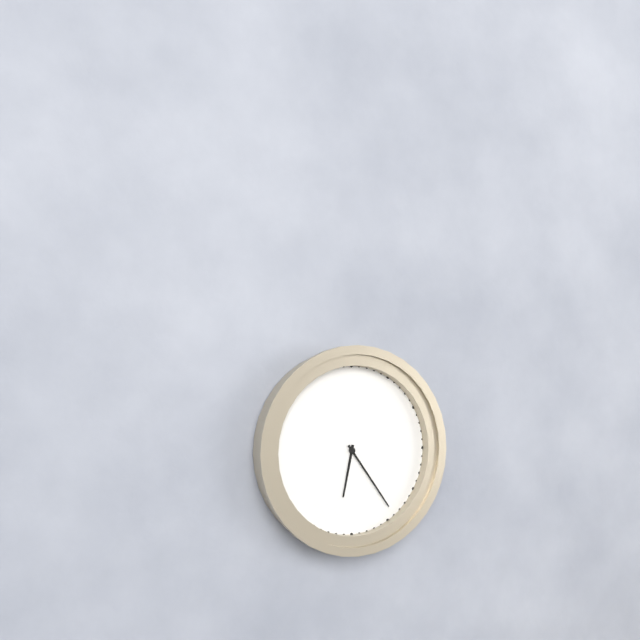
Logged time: 6.24
